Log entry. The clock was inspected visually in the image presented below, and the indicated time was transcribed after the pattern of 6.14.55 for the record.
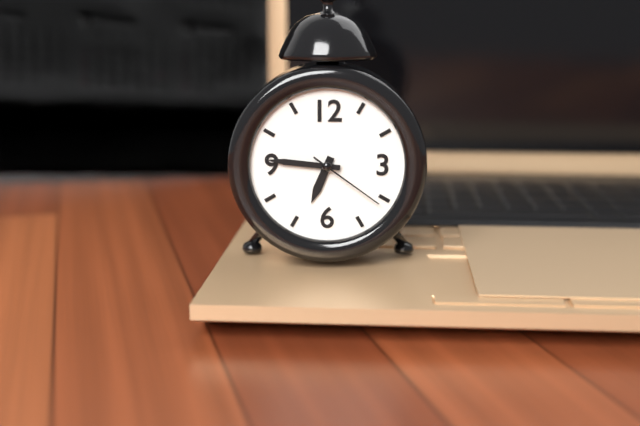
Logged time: 6.46.21
